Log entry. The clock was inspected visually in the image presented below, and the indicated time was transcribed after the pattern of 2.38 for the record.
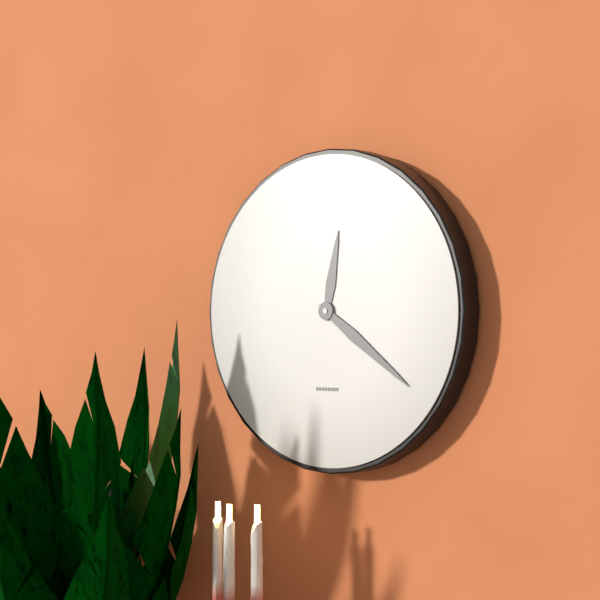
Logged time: 12.21
